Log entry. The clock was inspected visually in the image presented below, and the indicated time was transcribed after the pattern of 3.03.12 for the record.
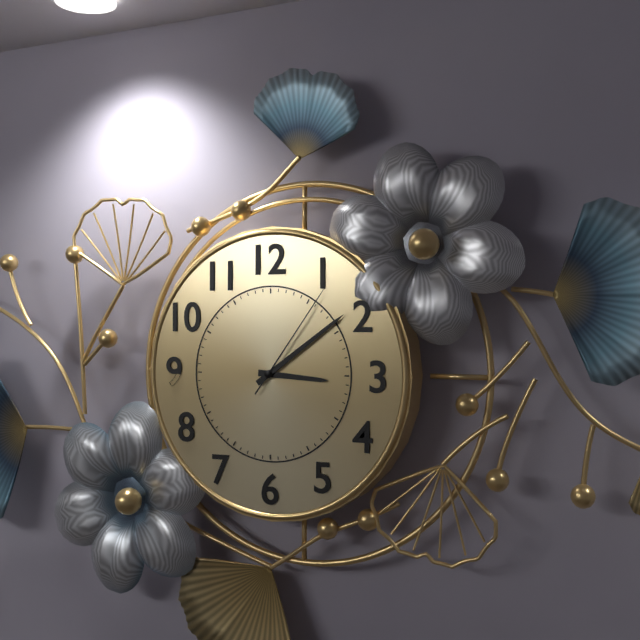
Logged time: 3.09.06
